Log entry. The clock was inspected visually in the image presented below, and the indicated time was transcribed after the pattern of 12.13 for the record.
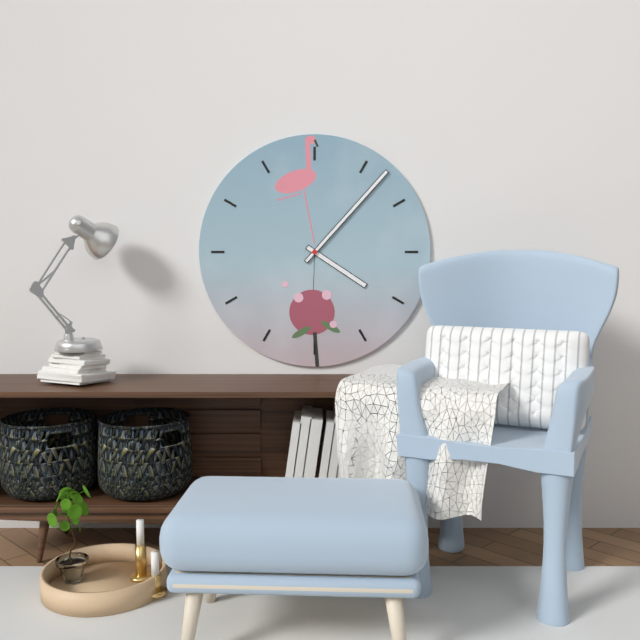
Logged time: 4.07
